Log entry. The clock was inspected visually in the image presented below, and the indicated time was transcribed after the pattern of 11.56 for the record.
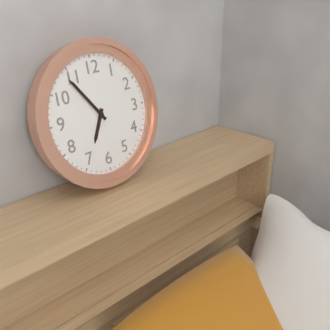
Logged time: 6.54
